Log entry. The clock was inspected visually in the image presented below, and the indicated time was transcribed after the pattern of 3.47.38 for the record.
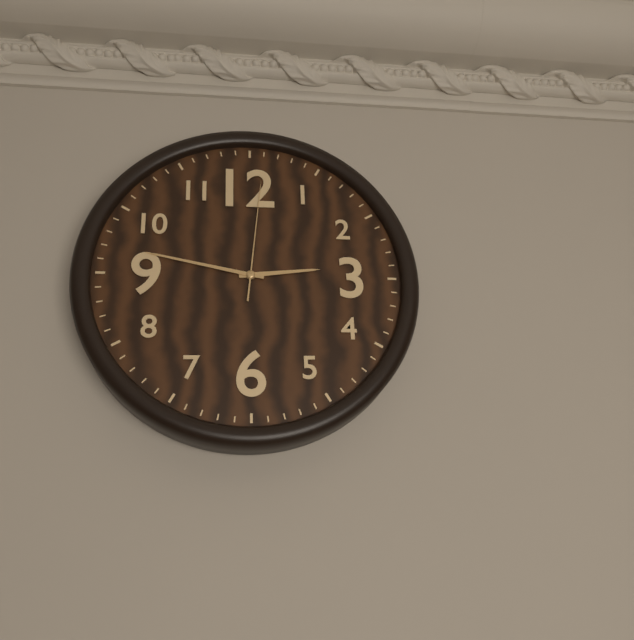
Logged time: 2.47.01
